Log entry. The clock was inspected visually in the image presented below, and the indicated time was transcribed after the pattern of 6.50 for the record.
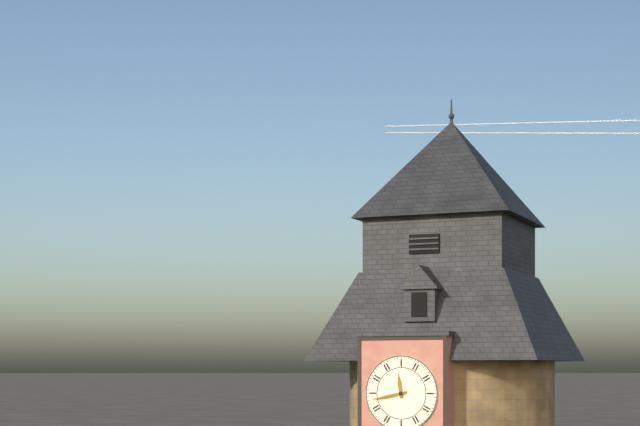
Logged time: 11.43
